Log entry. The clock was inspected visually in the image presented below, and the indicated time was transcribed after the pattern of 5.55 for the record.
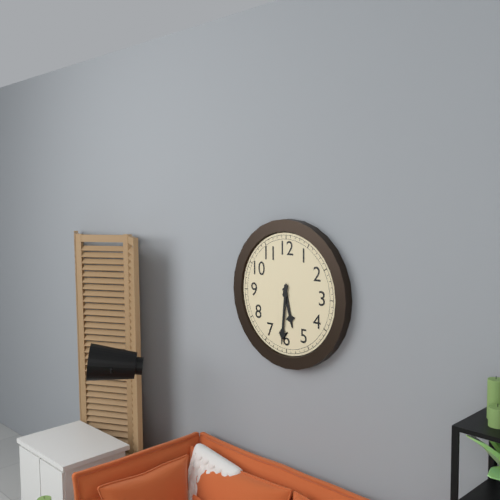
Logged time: 5.31
